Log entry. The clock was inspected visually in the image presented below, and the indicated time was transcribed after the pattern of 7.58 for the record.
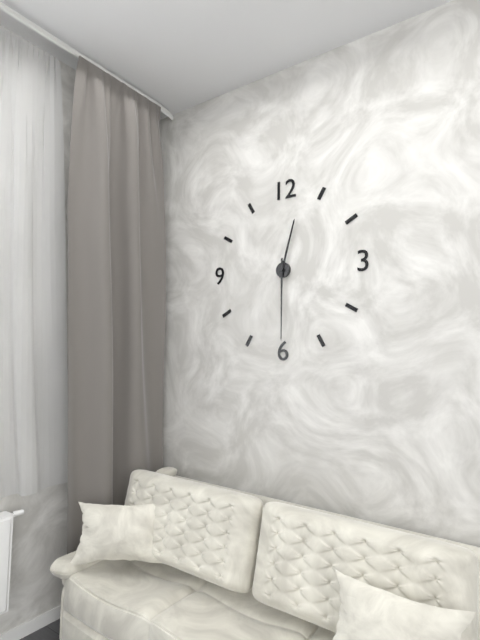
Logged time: 12.30
